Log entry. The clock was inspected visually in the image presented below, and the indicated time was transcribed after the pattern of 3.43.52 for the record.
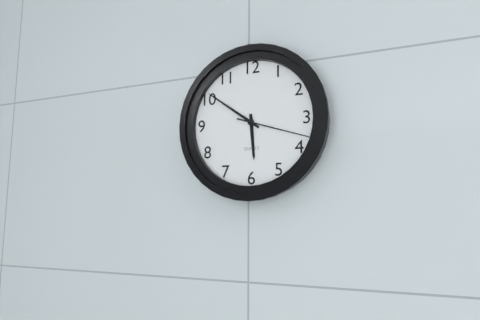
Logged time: 5.51.18
